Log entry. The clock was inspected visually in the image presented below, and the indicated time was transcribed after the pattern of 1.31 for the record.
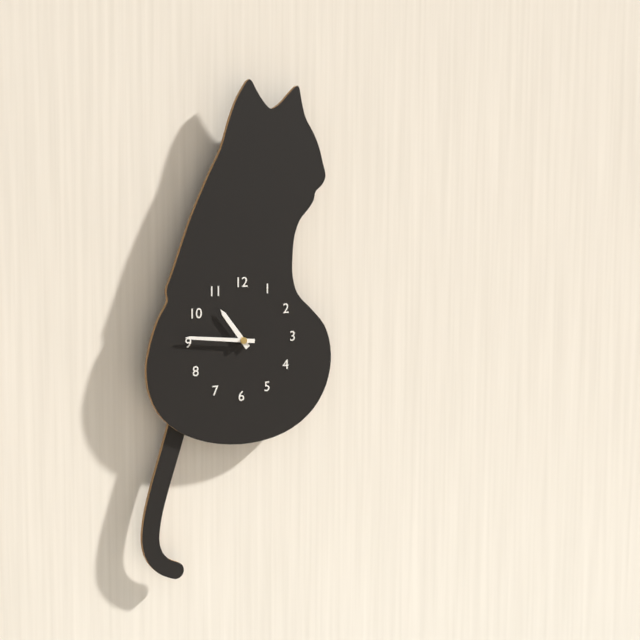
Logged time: 10.46
